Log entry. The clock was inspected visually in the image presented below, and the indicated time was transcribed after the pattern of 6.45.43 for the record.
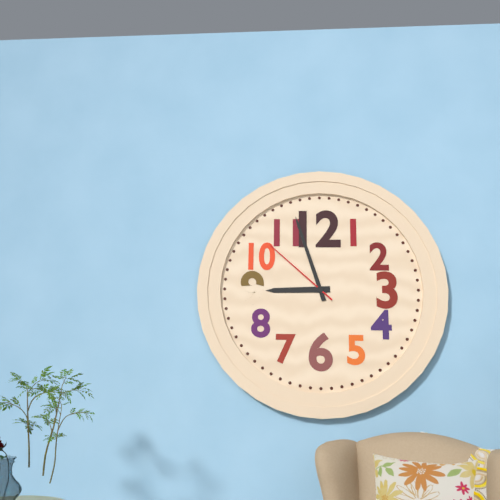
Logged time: 8.57.52
